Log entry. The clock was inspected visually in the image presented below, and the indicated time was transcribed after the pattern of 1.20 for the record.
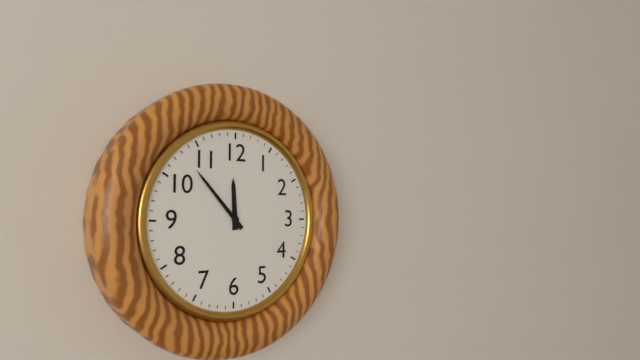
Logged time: 11.53
